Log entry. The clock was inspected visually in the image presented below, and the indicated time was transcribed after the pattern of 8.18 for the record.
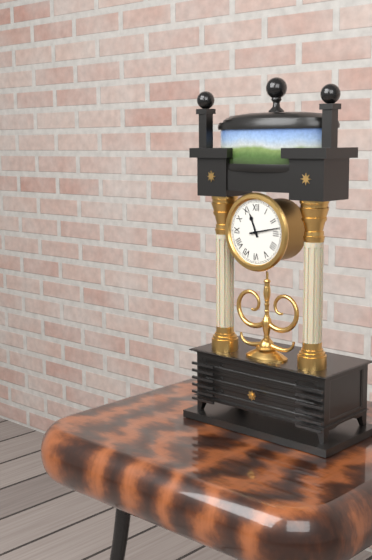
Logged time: 11.13
